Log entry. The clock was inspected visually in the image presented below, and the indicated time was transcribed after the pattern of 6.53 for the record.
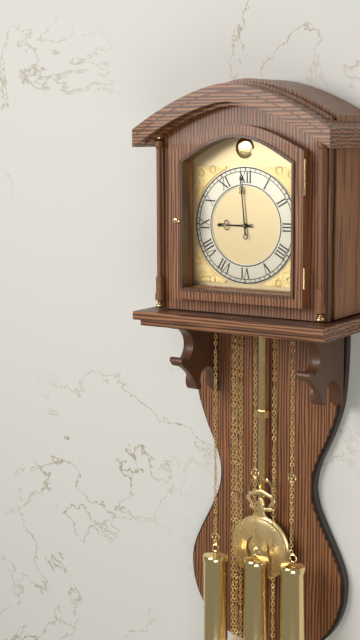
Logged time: 8.59
